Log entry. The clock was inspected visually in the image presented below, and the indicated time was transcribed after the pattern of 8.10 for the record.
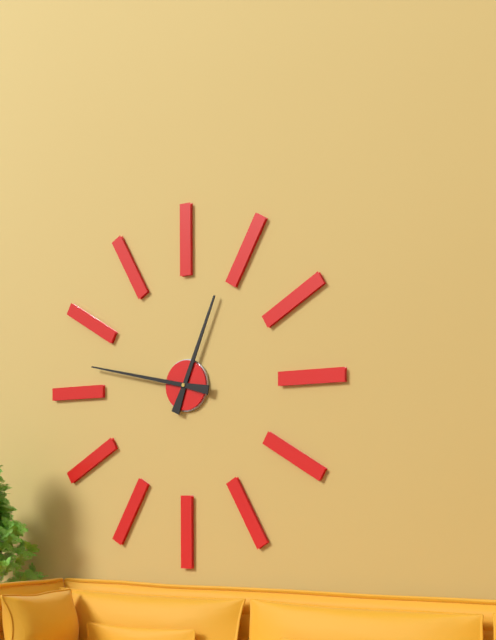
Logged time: 12.47
